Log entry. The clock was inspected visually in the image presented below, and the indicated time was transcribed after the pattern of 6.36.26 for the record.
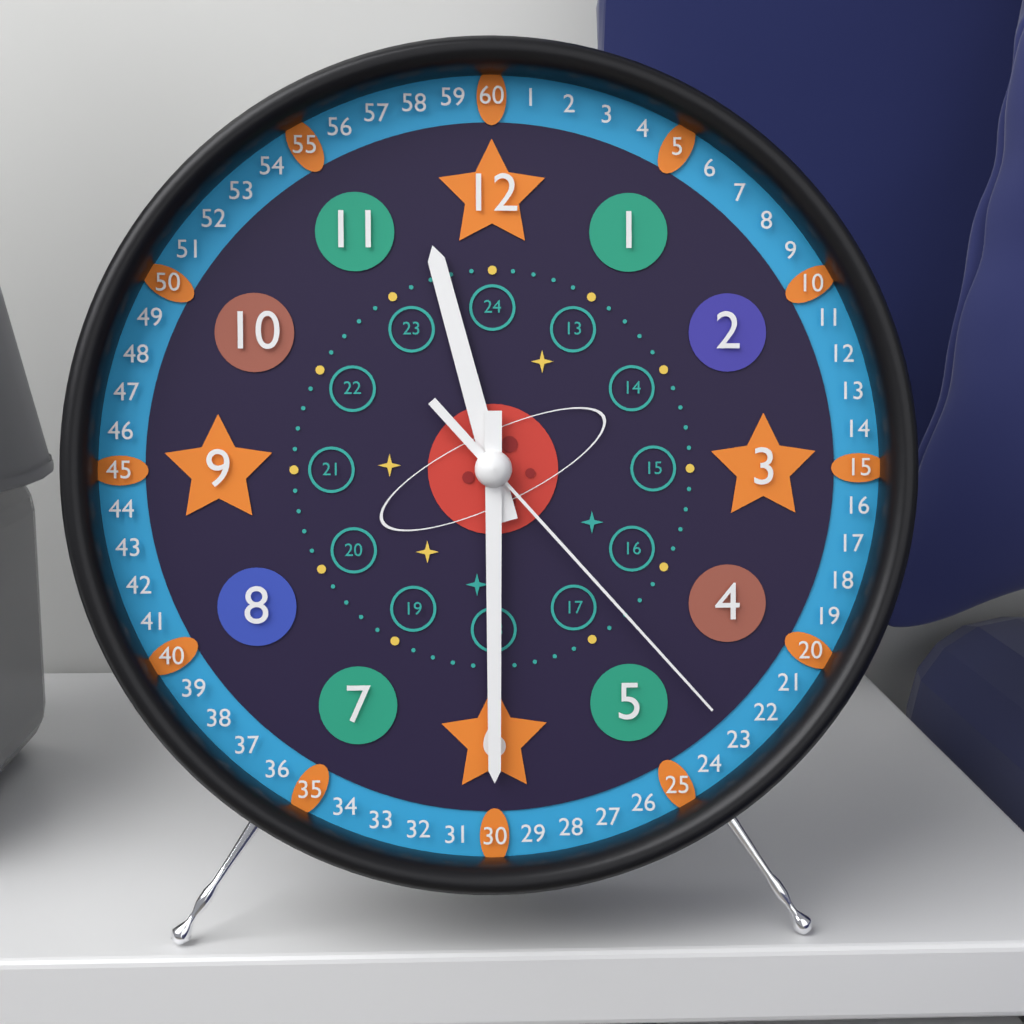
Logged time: 11.30.23
